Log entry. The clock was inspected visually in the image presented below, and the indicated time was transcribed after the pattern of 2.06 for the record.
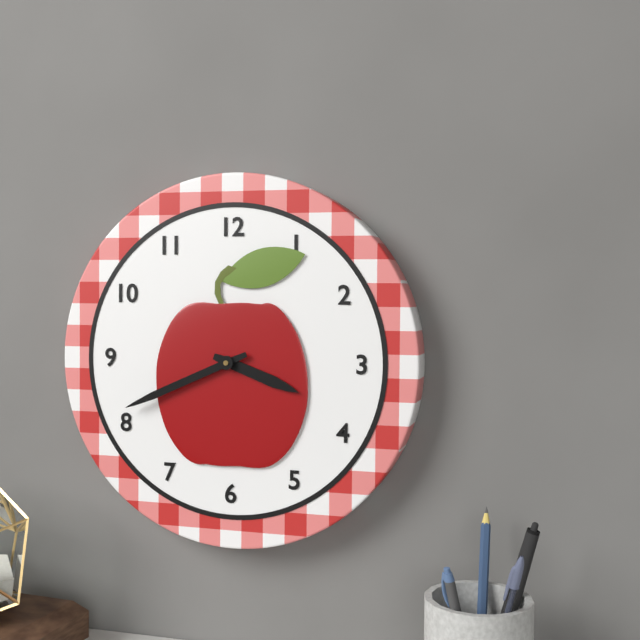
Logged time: 3.41
